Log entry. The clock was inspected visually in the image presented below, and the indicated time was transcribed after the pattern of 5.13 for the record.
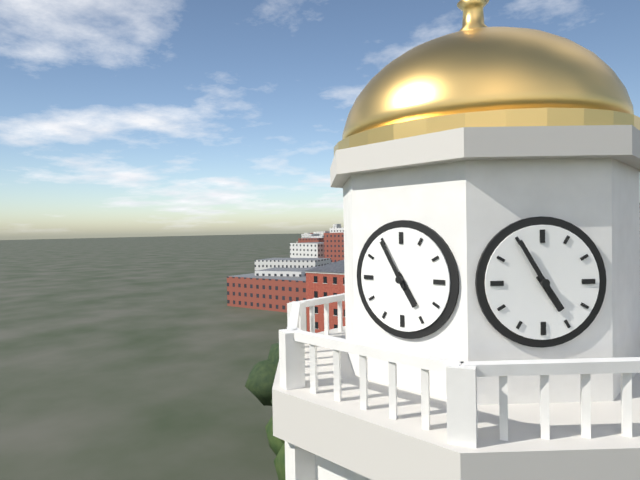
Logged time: 4.55
